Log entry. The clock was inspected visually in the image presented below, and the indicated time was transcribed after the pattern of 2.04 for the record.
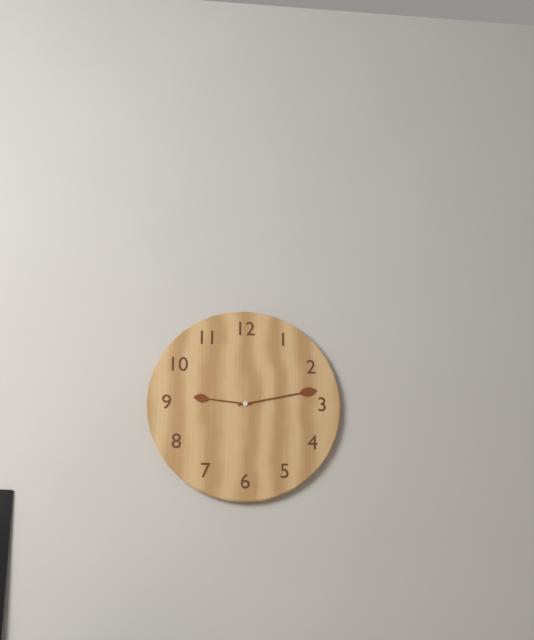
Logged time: 9.13
